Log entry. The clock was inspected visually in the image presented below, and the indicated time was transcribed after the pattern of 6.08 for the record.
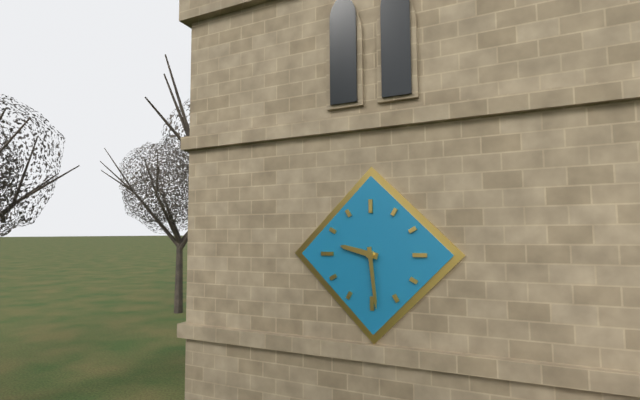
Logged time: 9.29
